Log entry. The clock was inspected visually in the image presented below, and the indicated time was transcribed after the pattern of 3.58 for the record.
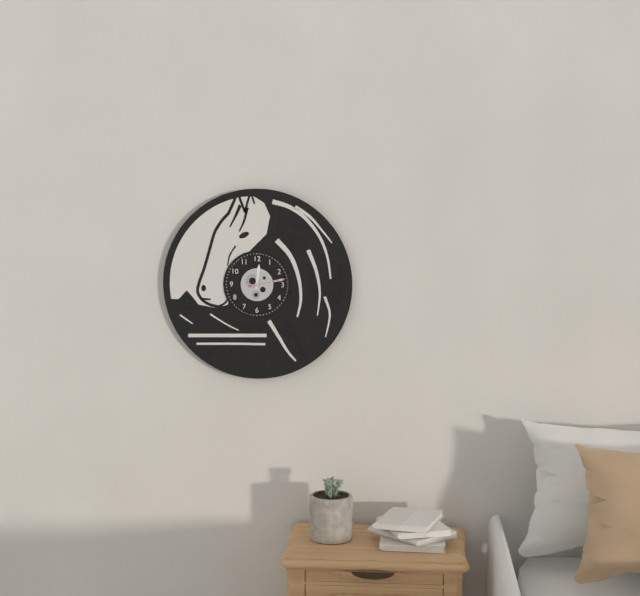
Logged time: 12.13
